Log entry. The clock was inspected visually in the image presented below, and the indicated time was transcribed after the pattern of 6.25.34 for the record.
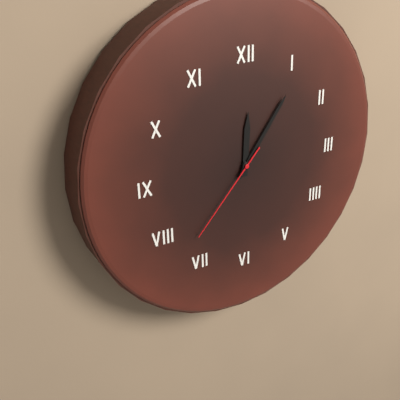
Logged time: 12.06.37
